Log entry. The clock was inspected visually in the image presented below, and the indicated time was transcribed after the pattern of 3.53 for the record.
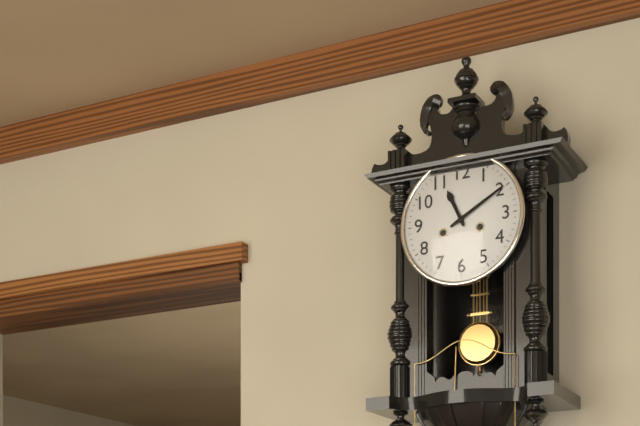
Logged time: 11.10
